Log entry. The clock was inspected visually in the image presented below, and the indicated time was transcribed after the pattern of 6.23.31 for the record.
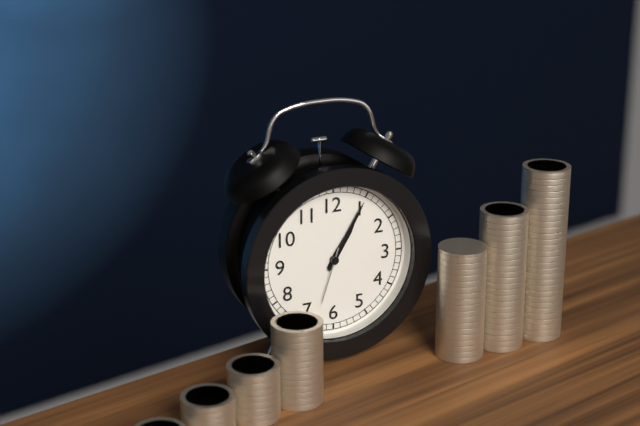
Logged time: 1.05.33
